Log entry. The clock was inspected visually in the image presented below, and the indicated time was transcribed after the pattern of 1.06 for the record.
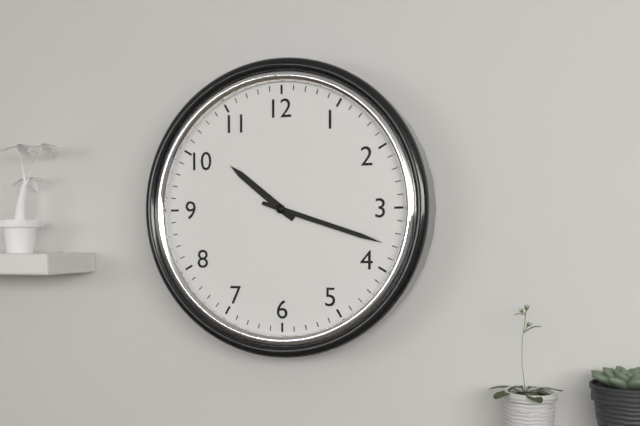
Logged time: 10.18
